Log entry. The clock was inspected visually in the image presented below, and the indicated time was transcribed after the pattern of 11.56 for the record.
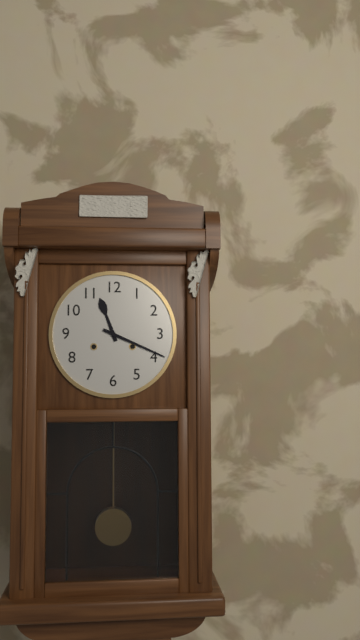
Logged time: 11.19
